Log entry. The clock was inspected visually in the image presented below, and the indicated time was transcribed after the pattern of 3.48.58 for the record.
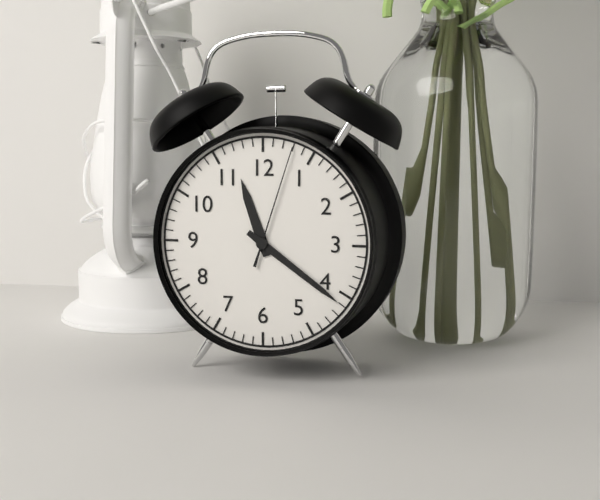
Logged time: 11.21.03
